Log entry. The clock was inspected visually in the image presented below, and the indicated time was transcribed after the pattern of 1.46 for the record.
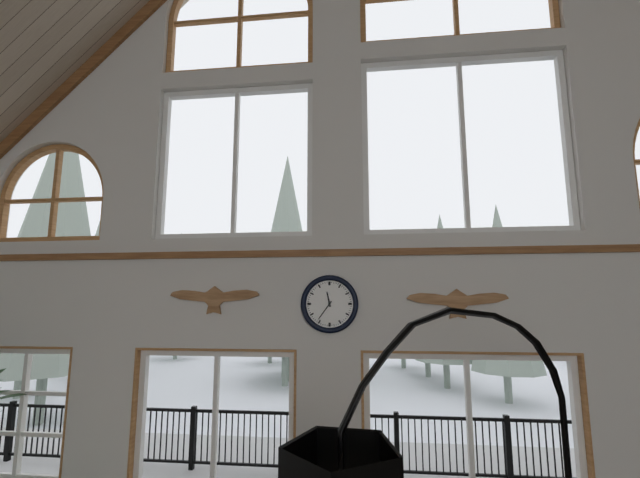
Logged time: 11.36
